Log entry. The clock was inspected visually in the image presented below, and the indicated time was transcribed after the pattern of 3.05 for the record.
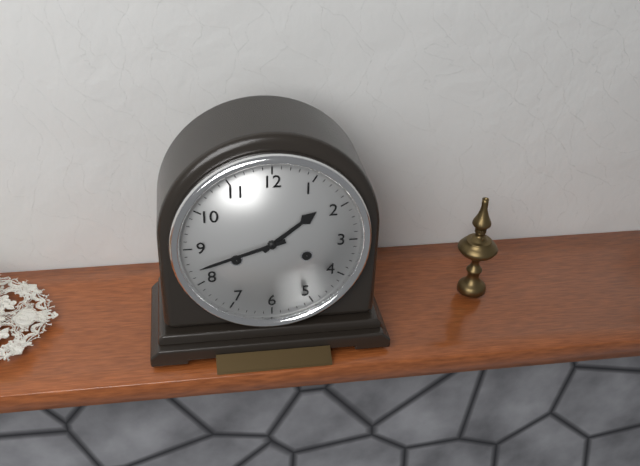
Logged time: 1.42
